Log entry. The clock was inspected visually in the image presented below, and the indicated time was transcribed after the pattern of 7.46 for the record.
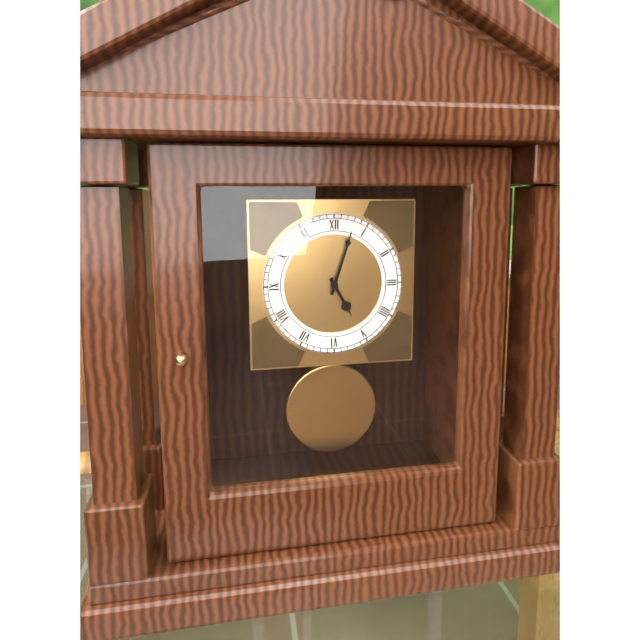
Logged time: 5.03
